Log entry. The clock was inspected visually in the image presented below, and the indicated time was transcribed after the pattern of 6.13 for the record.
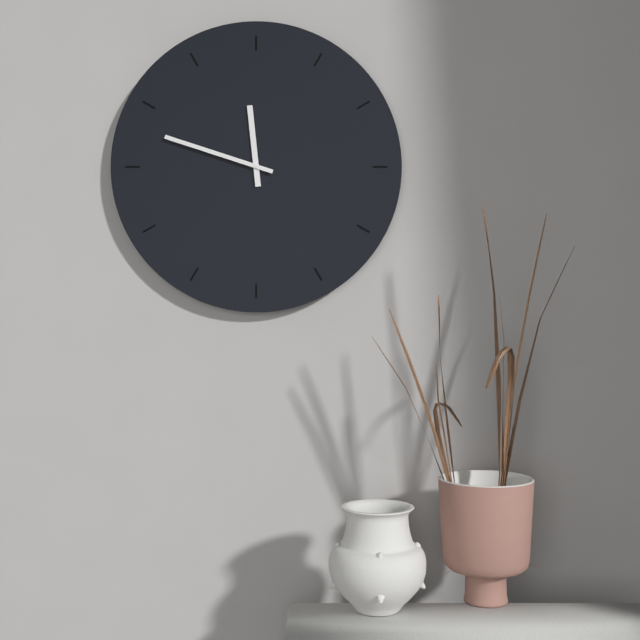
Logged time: 11.48
